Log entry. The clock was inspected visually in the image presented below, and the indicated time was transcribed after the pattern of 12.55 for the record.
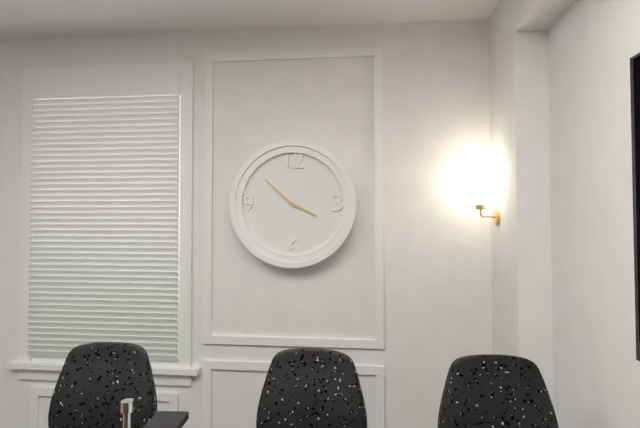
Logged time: 3.52
